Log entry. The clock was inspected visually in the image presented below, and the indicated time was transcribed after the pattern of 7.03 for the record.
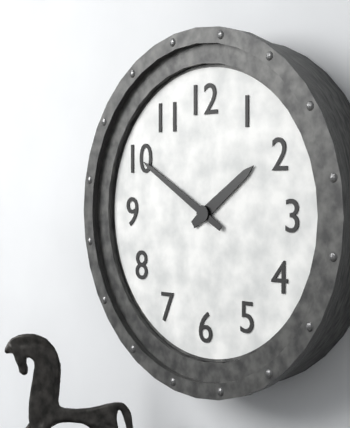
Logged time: 1.50
